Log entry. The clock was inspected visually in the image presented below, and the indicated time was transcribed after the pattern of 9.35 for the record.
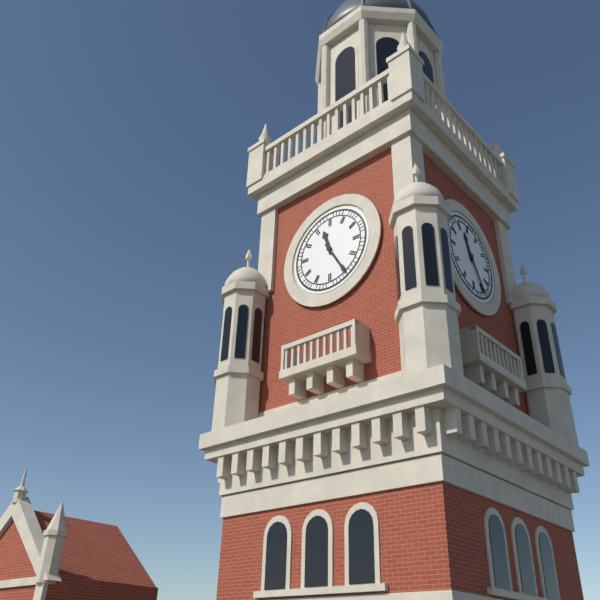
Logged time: 11.25
